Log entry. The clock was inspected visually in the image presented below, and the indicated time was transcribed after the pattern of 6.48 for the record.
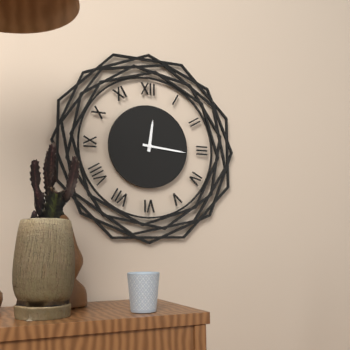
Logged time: 12.16
